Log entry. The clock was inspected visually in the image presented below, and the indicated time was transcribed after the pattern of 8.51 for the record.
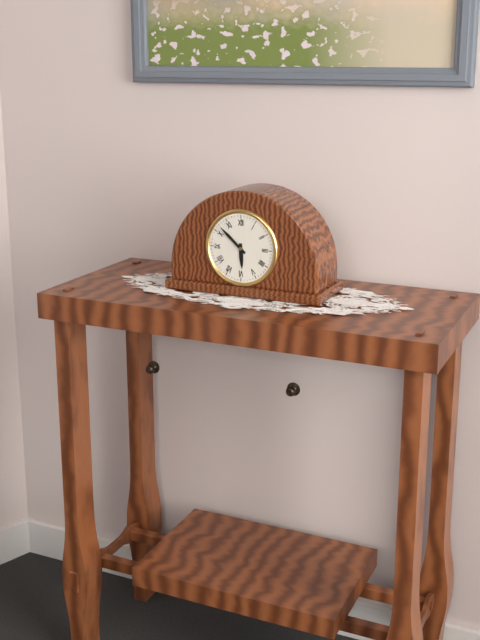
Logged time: 5.52
